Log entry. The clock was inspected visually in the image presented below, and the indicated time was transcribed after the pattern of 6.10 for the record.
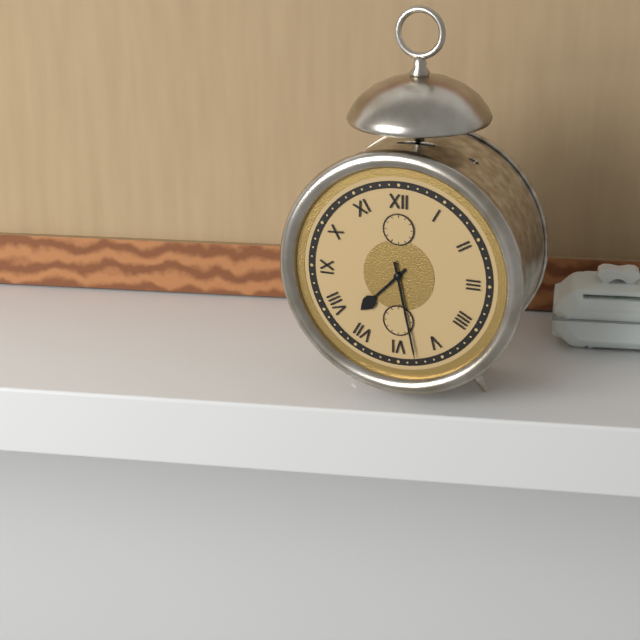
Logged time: 7.28
